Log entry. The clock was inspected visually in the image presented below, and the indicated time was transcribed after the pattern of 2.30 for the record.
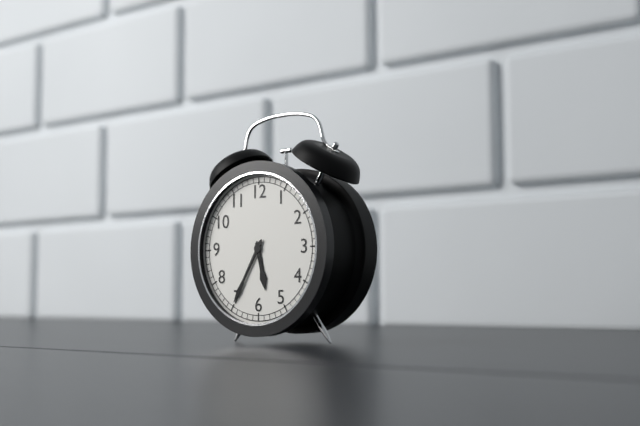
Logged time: 5.35
